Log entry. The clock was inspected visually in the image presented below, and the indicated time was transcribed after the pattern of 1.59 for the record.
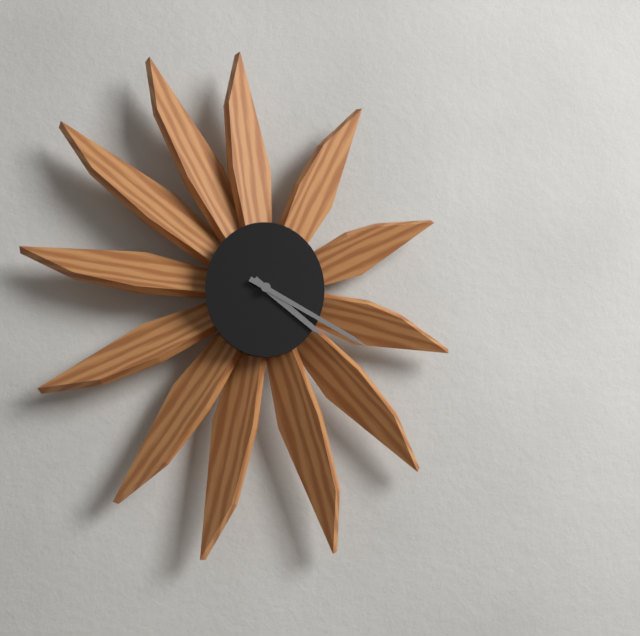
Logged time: 4.20
